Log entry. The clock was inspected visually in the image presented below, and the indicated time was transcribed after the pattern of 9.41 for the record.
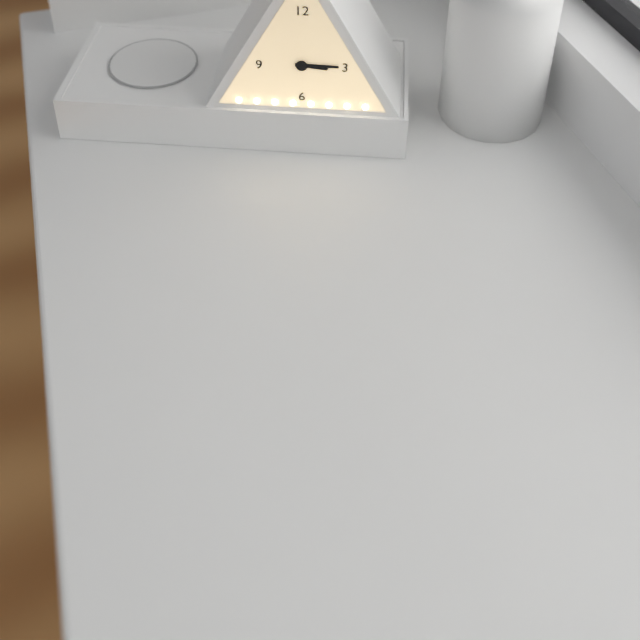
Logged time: 3.15
